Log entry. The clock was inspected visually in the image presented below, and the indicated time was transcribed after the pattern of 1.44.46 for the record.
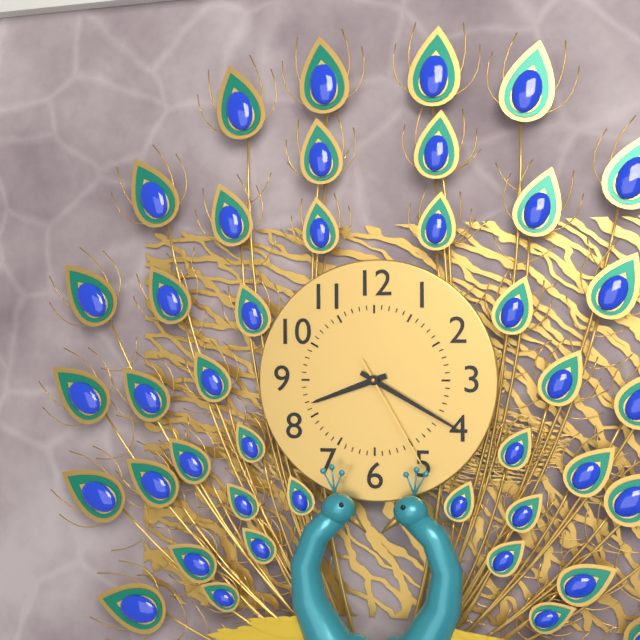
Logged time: 8.20.25
